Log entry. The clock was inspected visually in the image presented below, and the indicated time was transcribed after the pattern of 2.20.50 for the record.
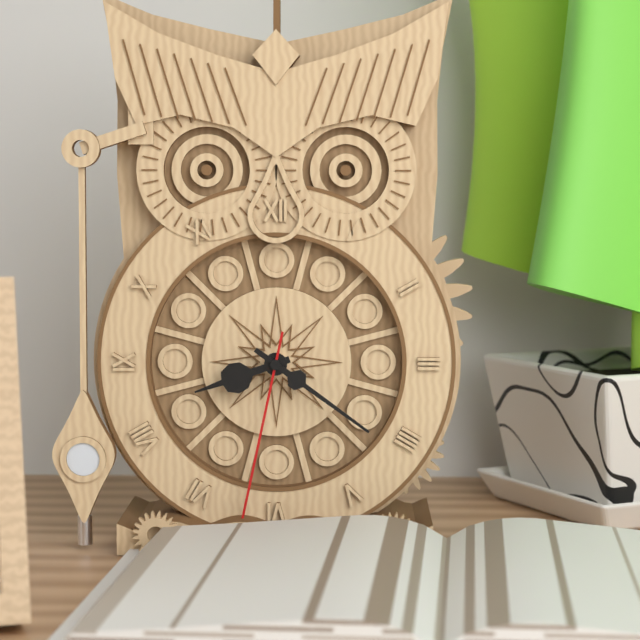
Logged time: 8.21.32
